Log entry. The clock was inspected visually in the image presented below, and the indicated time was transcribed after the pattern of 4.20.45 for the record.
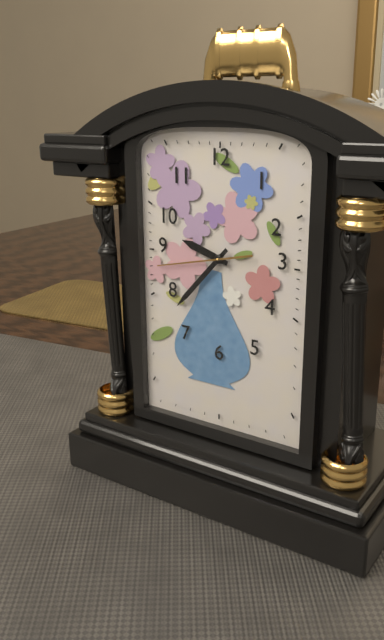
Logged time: 9.37.43
